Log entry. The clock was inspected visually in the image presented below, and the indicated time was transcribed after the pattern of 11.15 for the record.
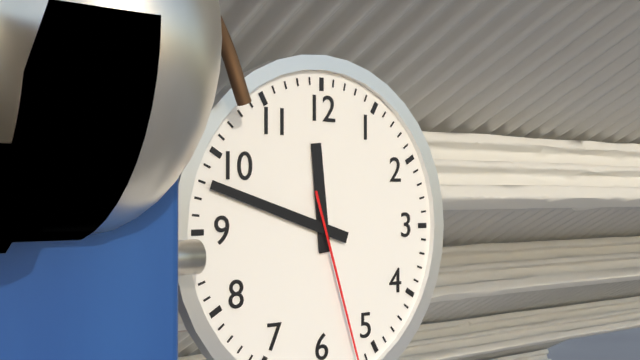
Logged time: 11.48
